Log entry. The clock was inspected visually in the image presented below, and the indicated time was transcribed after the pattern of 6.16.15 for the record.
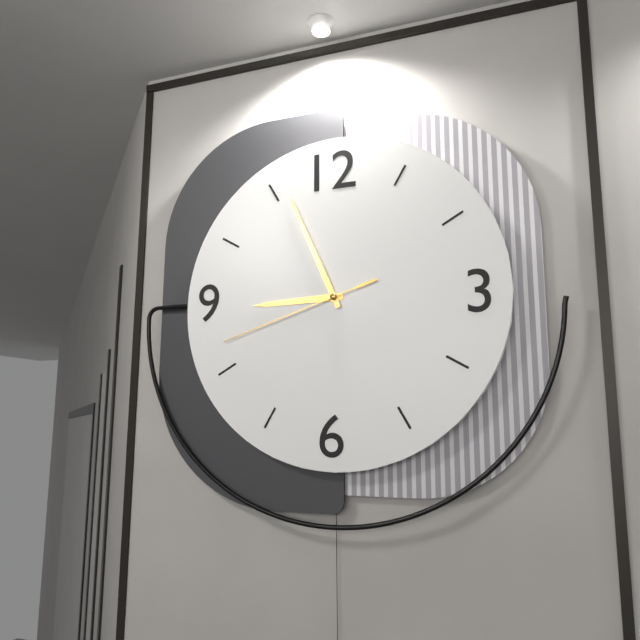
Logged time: 8.56.42
